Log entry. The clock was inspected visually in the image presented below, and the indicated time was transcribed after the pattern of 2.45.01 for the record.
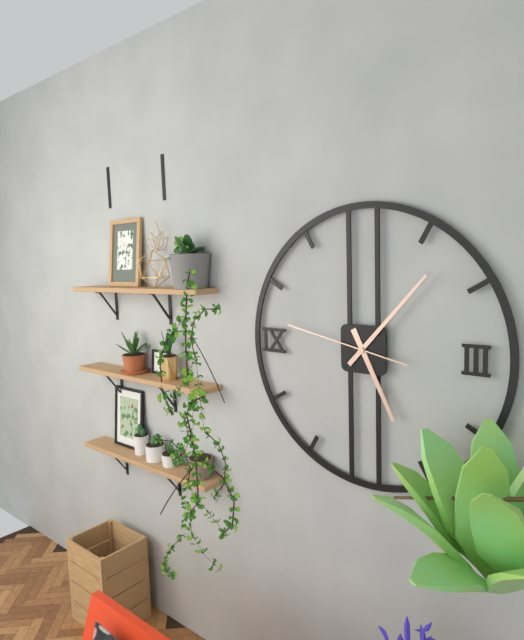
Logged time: 5.07.47
